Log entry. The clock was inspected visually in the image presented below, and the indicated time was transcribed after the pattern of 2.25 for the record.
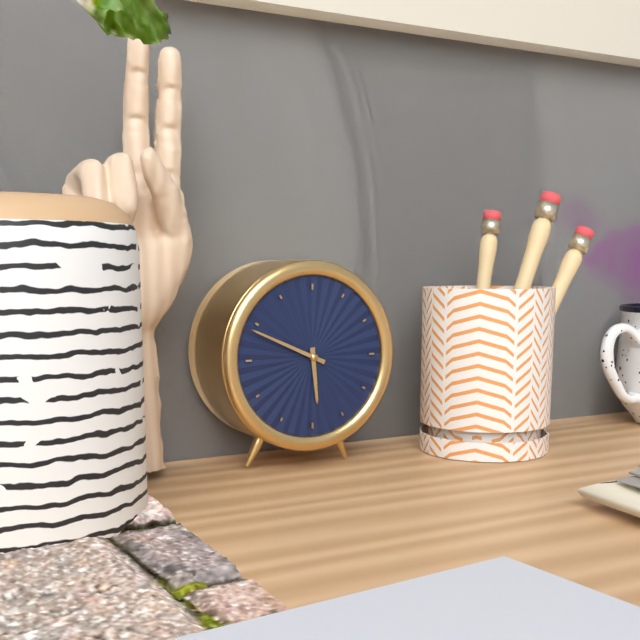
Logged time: 5.49
